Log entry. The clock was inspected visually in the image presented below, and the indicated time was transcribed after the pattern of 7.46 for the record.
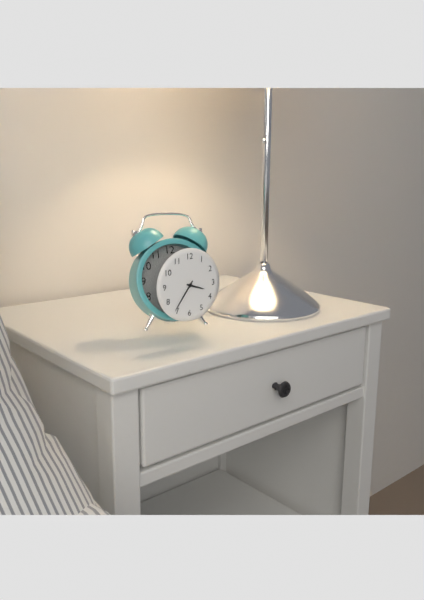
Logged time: 3.36
